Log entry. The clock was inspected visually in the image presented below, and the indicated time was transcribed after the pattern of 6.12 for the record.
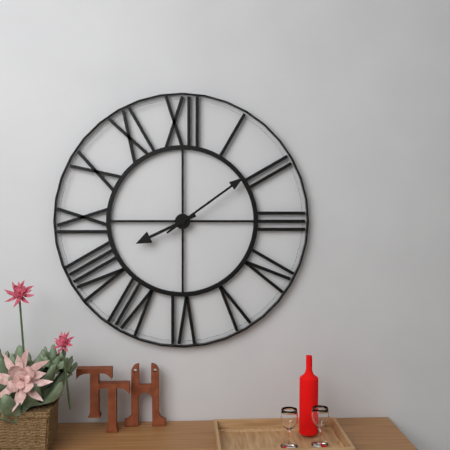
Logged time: 8.09
